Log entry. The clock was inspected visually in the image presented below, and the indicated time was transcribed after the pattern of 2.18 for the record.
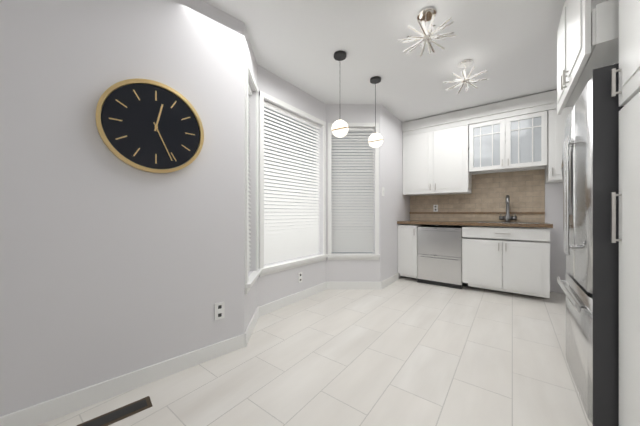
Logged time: 12.26
